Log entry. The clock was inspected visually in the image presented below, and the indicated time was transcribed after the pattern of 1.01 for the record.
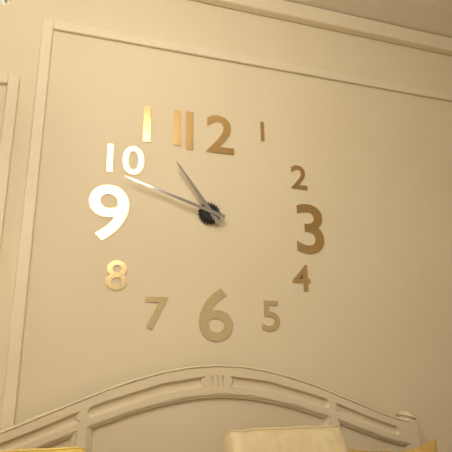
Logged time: 10.48
